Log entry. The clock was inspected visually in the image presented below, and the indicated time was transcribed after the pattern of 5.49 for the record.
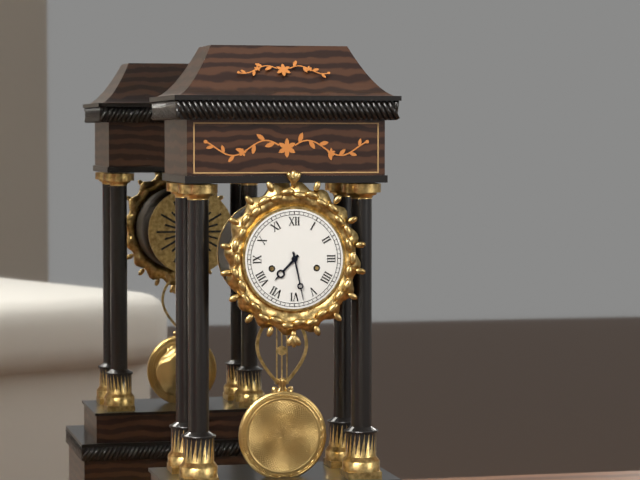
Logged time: 7.28
